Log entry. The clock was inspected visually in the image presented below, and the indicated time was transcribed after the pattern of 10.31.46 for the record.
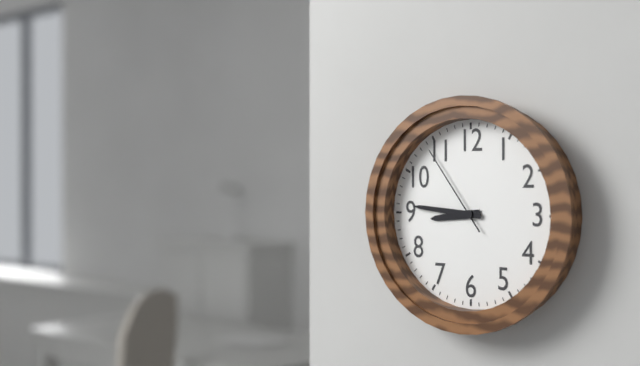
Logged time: 8.46.54
